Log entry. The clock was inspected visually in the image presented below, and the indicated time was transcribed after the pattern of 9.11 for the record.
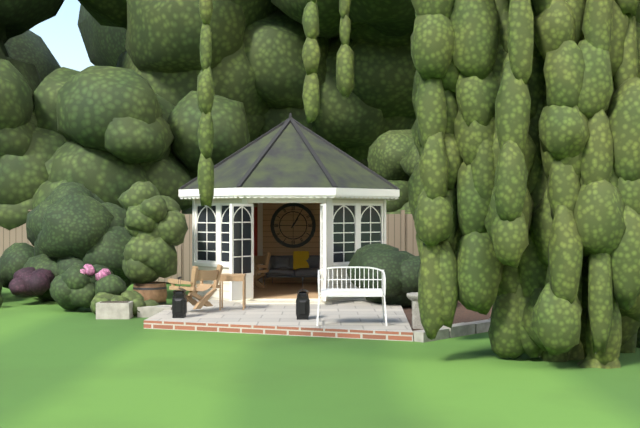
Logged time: 1.05
